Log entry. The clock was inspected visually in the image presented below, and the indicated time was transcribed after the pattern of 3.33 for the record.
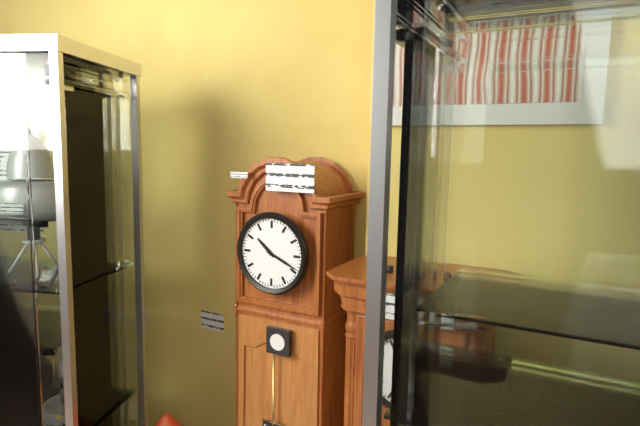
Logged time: 10.19
